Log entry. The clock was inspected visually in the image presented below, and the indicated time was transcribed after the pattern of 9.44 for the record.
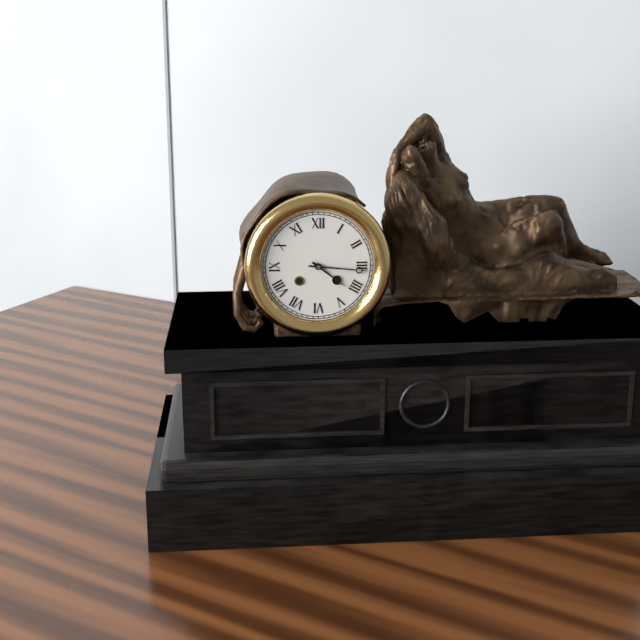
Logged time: 4.16
